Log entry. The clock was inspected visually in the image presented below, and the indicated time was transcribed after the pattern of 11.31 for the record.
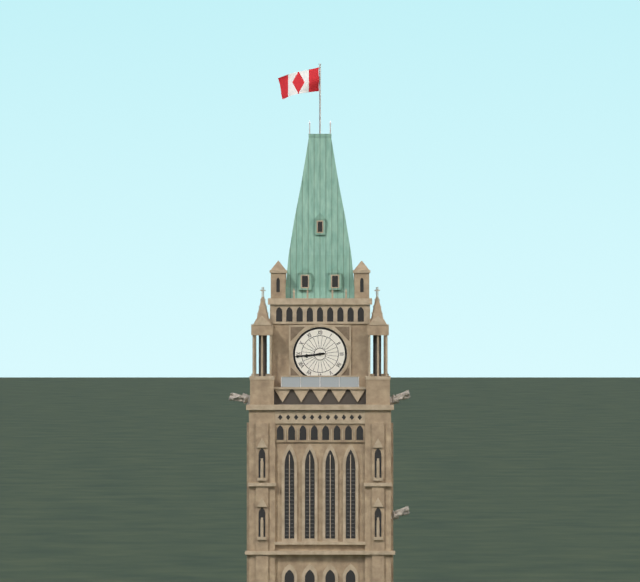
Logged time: 8.44
